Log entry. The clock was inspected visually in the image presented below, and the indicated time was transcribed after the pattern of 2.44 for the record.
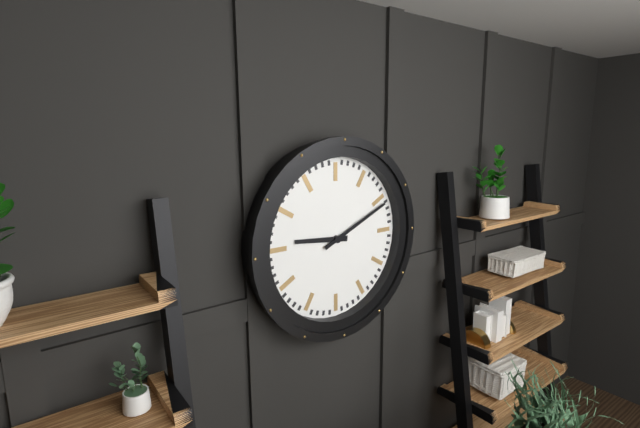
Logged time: 9.11
